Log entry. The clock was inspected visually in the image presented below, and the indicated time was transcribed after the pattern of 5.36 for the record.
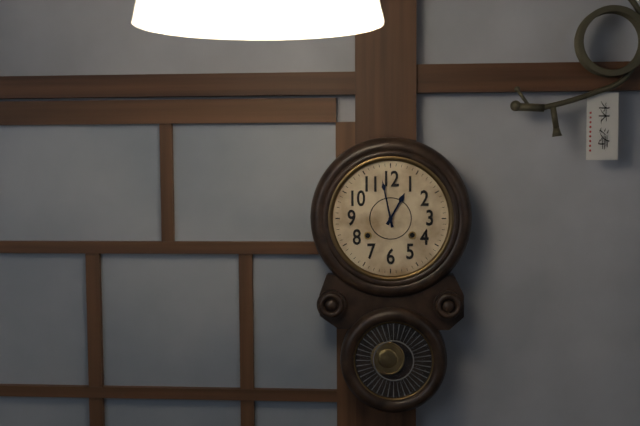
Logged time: 12.58
